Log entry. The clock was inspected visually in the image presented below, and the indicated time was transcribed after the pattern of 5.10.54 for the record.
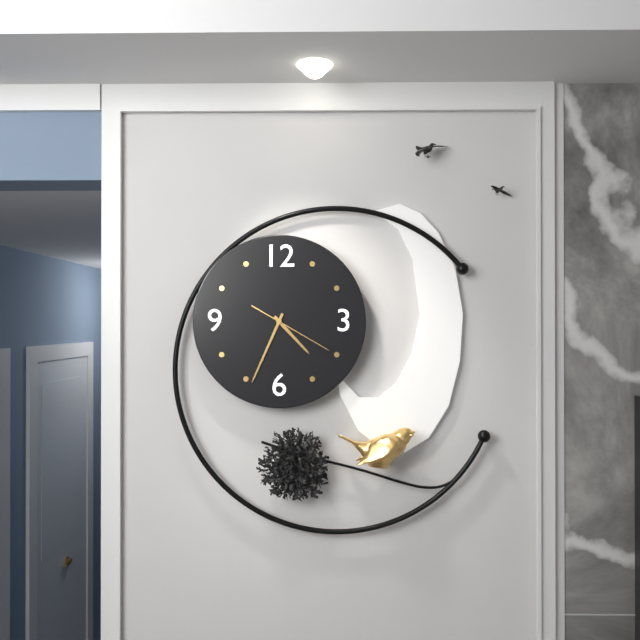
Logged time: 4.34.20
